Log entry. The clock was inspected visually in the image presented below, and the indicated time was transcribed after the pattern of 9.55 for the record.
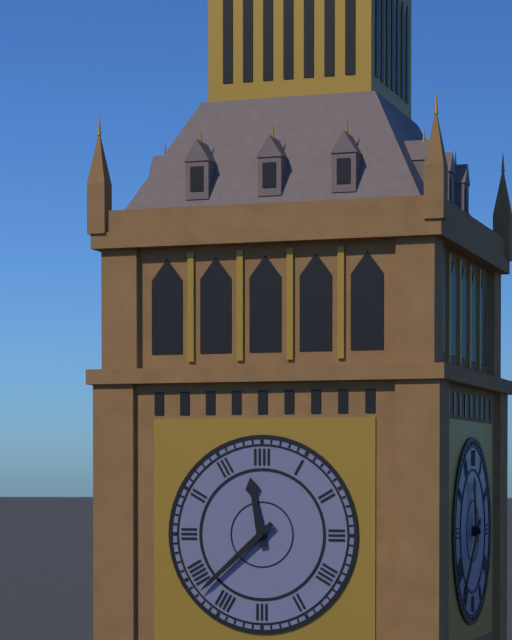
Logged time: 11.38
